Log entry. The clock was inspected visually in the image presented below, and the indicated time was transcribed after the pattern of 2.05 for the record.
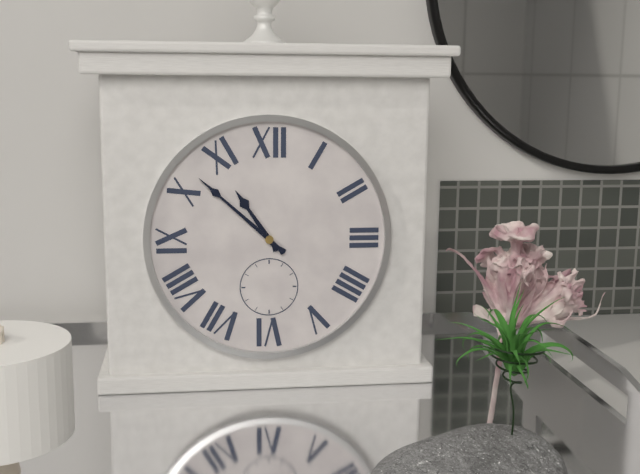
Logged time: 10.52
